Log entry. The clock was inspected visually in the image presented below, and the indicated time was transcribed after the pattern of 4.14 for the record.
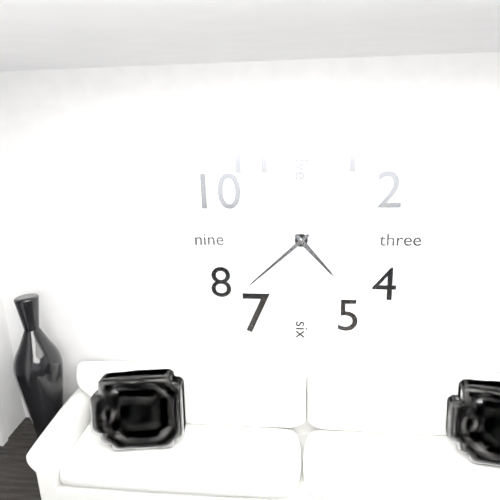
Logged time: 4.38
